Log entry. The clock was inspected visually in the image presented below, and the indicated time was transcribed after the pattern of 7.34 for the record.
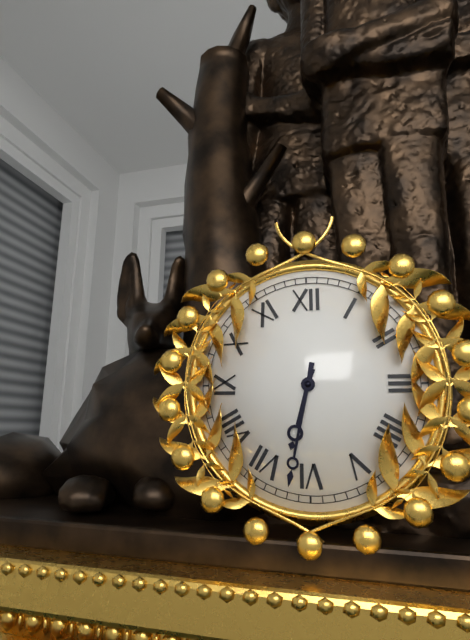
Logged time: 6.32
